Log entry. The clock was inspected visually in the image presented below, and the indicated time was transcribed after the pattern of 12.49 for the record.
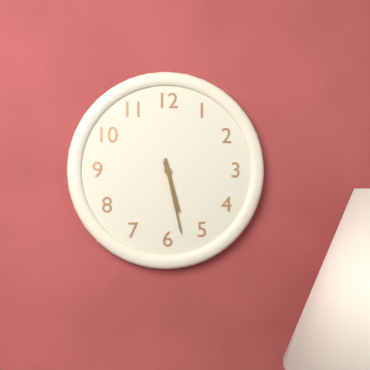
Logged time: 5.28
